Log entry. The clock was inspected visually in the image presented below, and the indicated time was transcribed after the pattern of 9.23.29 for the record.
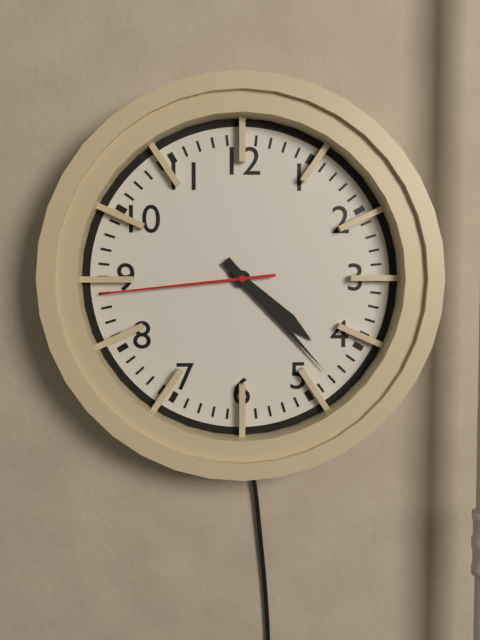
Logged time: 4.23.44
